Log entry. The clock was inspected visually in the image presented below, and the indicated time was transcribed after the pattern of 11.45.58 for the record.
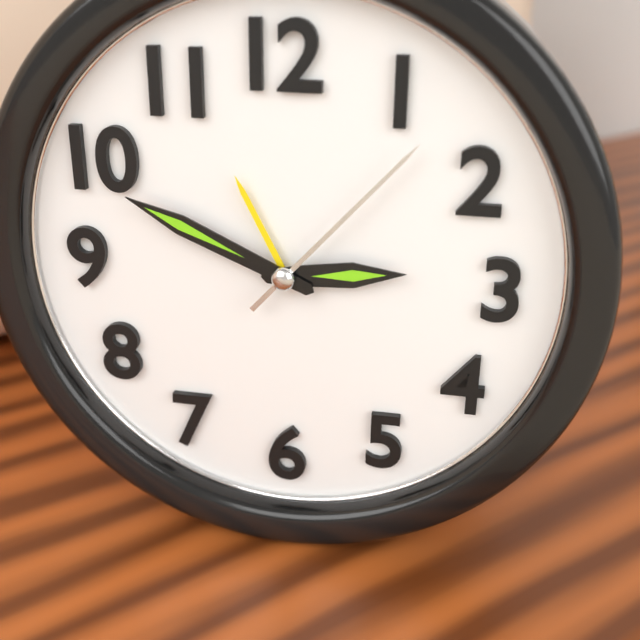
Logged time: 2.49.07
